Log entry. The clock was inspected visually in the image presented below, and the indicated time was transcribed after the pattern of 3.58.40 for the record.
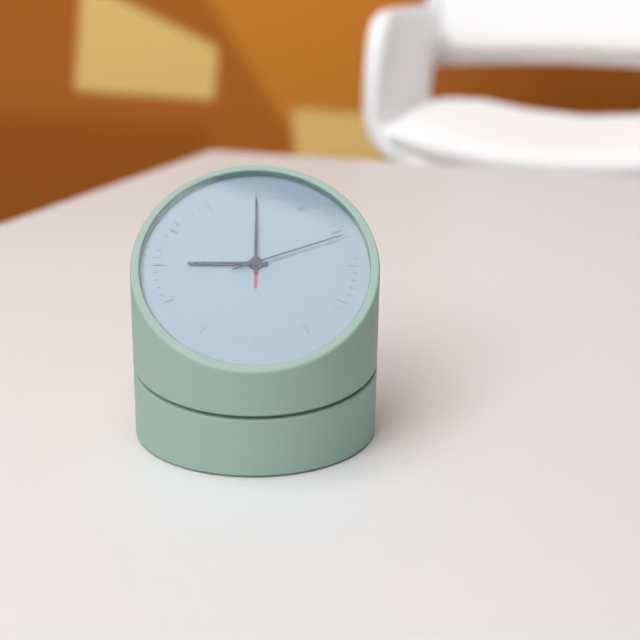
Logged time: 9.00.11
